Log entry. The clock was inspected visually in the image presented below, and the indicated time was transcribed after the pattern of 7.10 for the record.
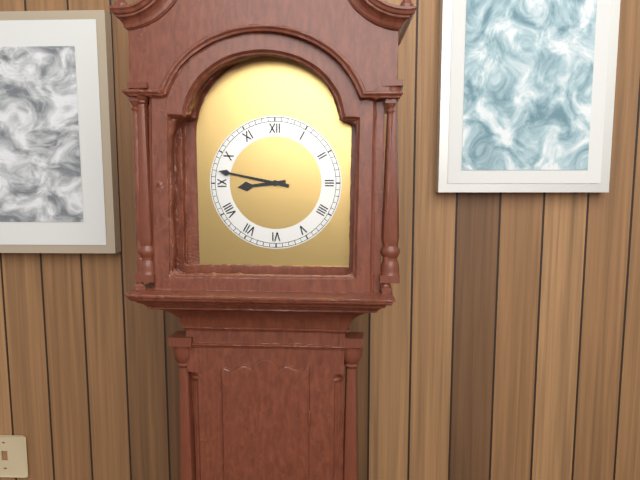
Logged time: 8.47
